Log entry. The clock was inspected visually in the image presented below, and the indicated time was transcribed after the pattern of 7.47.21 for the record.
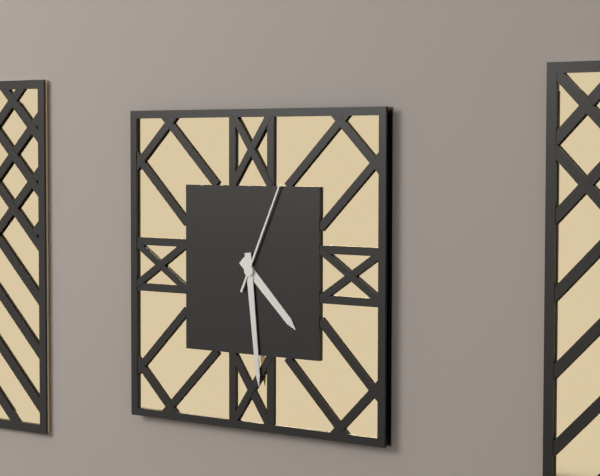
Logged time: 4.29.04
